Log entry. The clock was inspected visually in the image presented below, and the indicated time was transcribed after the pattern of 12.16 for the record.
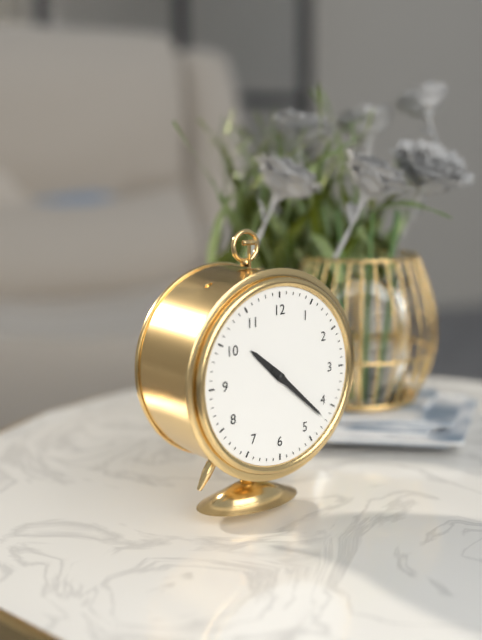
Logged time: 10.22
